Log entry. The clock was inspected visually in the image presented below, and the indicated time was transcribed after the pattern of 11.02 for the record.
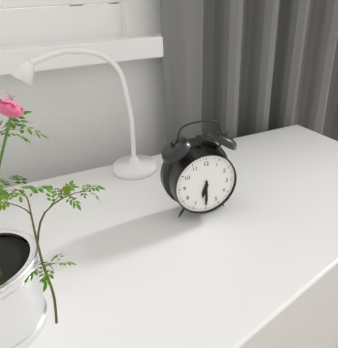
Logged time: 6.30
